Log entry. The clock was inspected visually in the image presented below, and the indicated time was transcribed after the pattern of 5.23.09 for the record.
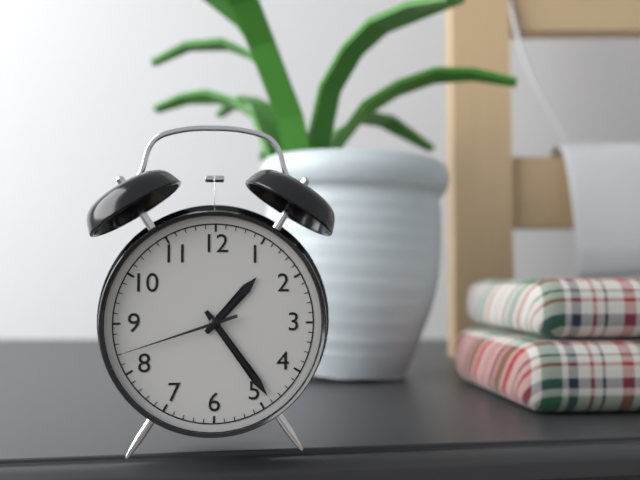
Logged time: 1.24.42
